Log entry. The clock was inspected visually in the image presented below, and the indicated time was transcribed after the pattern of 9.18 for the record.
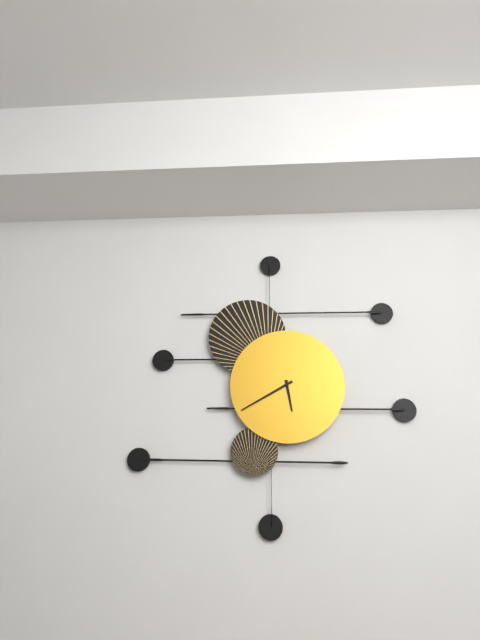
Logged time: 5.40
